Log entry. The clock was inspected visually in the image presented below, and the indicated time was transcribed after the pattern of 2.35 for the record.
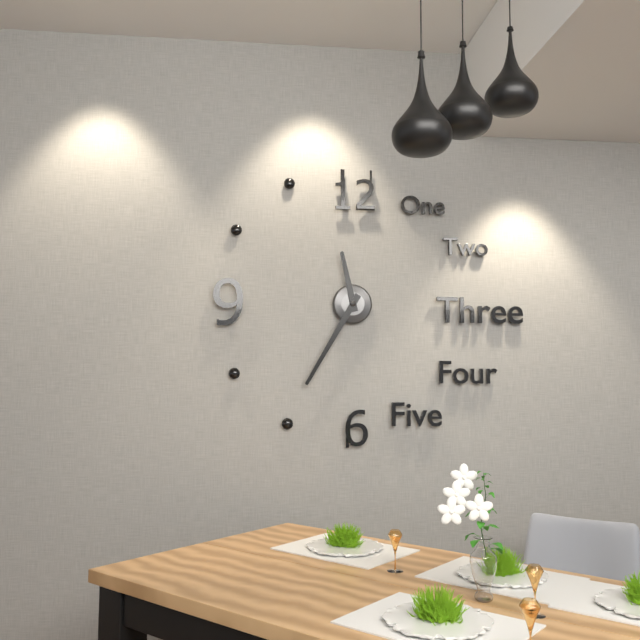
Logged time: 11.35
